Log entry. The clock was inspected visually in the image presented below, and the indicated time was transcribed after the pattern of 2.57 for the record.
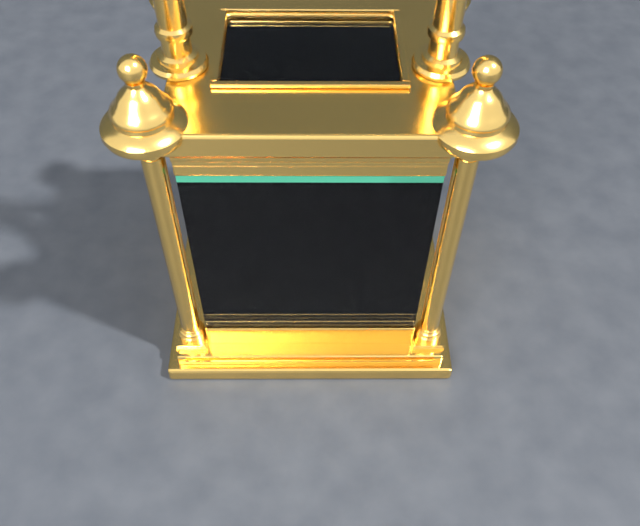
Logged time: 4.02
